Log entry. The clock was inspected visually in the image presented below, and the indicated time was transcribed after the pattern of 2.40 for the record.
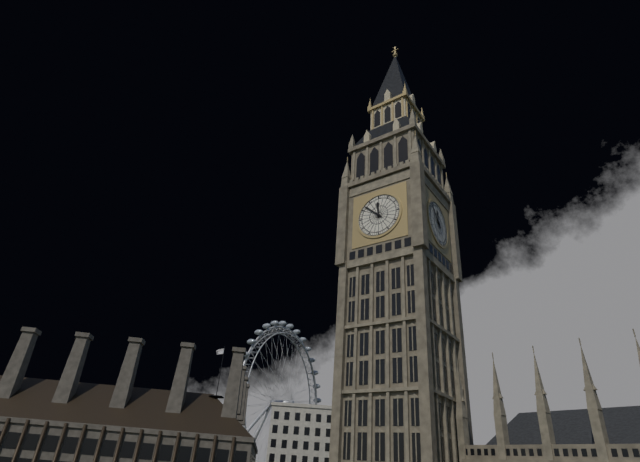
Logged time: 11.52
